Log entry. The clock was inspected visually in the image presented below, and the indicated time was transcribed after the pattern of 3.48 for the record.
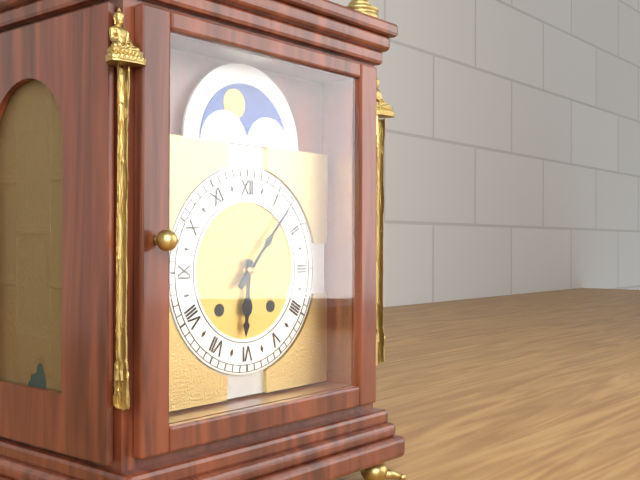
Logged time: 6.07
